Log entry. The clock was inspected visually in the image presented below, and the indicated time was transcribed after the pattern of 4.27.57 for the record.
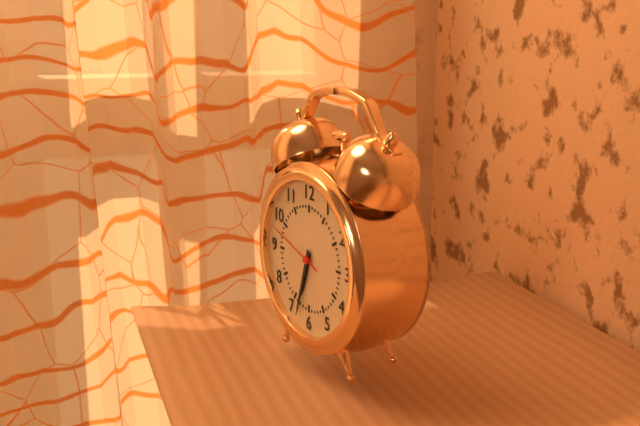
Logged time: 6.33.48
